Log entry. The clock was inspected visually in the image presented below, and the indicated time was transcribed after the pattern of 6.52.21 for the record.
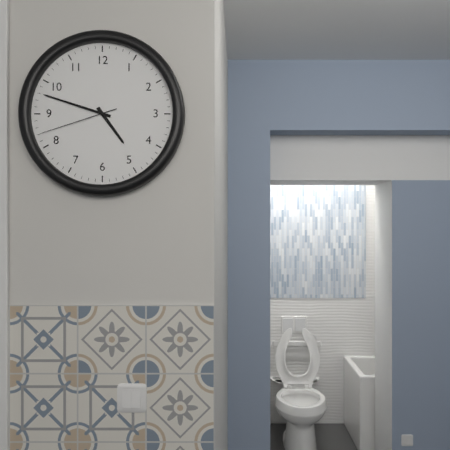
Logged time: 4.48.42
